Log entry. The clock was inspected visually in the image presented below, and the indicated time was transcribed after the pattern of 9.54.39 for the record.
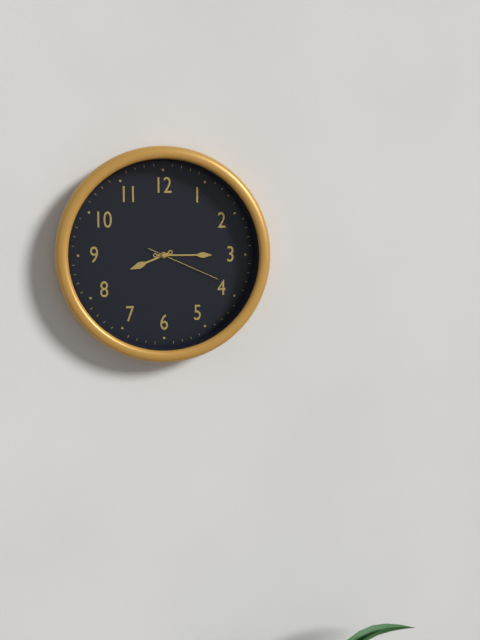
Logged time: 8.15.19
